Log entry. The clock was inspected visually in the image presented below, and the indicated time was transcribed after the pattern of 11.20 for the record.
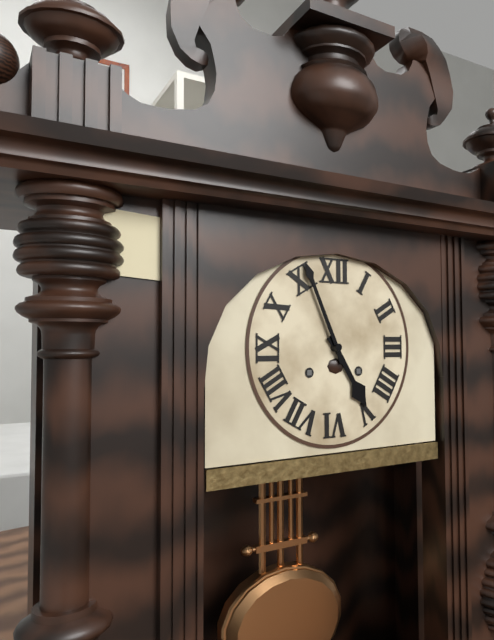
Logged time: 4.56
